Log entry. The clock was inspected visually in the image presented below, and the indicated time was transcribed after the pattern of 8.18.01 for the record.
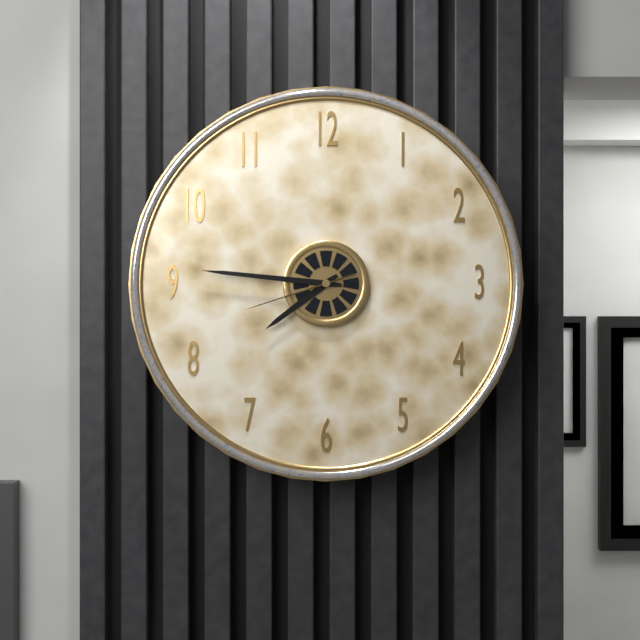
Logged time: 7.46.42
